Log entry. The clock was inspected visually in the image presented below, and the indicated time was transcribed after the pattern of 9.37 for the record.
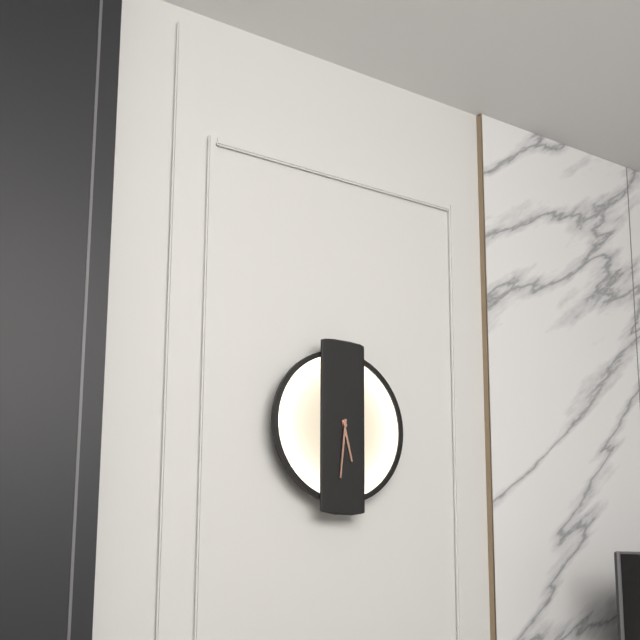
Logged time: 5.31
